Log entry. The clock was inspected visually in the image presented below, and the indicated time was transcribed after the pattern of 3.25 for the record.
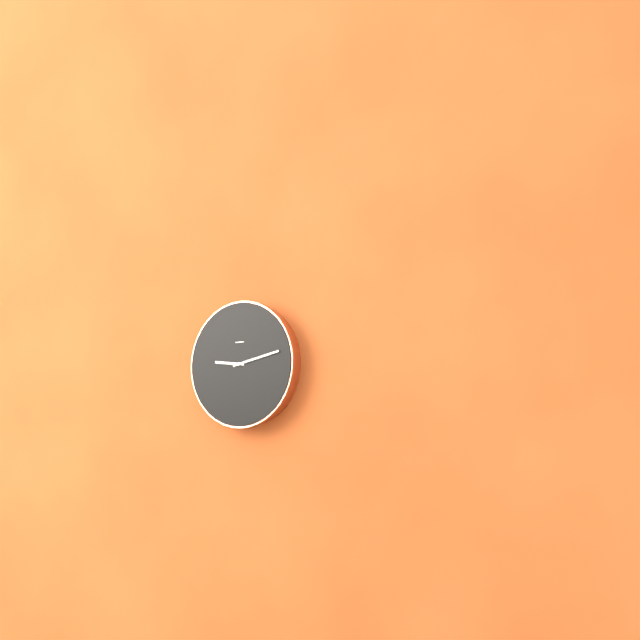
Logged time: 9.13
